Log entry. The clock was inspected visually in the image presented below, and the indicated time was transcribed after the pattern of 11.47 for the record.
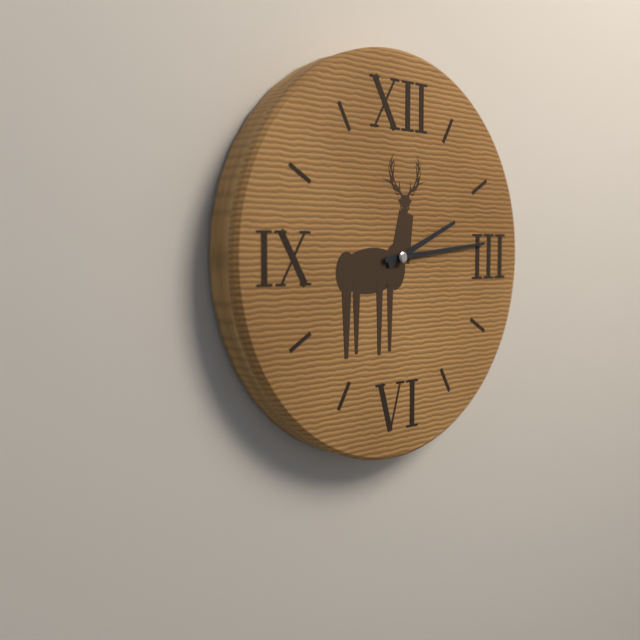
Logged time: 2.14
